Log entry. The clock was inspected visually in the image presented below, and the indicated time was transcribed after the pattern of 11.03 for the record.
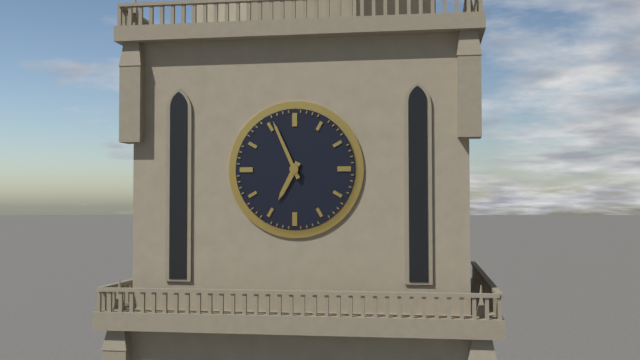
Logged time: 6.56
